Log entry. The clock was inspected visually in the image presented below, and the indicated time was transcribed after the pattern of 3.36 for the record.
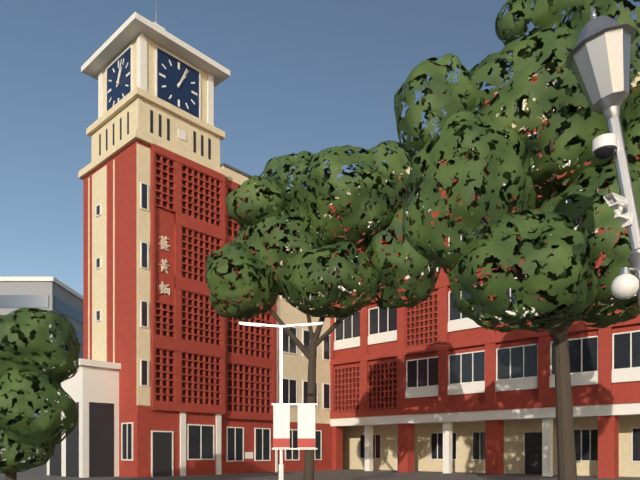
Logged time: 1.04
